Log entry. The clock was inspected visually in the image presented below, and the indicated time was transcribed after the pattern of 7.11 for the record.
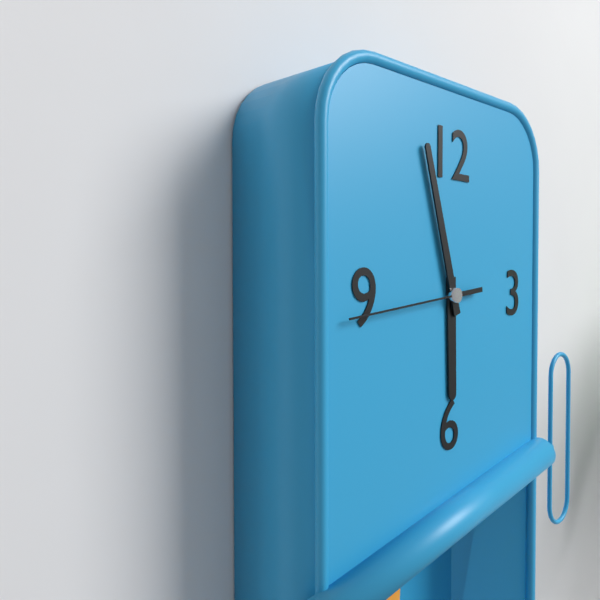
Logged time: 5.57
